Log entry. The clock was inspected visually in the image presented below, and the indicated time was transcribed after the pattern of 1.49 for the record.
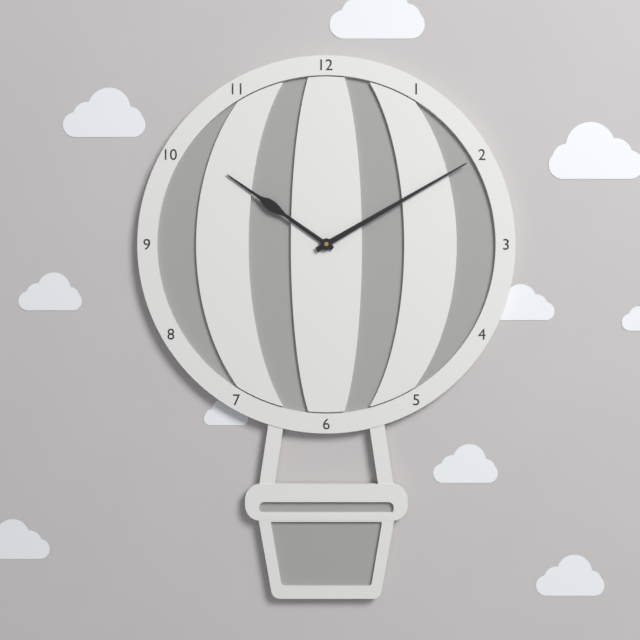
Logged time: 10.10
